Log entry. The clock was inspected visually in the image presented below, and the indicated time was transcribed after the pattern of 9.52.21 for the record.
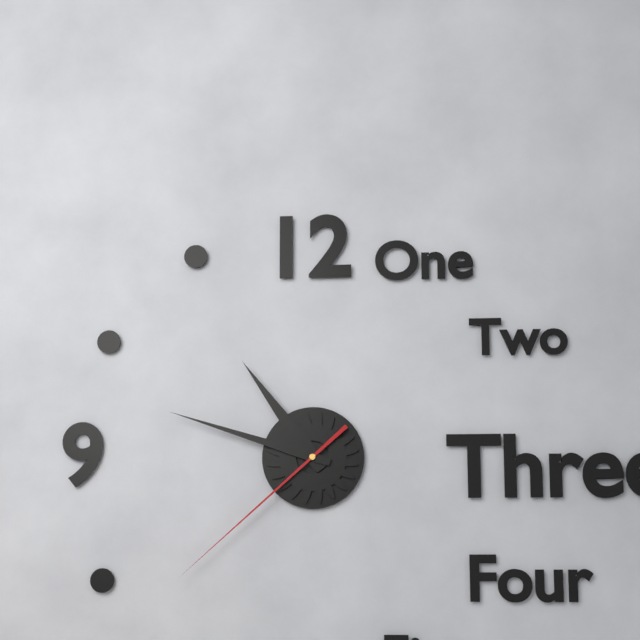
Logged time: 10.48.38
